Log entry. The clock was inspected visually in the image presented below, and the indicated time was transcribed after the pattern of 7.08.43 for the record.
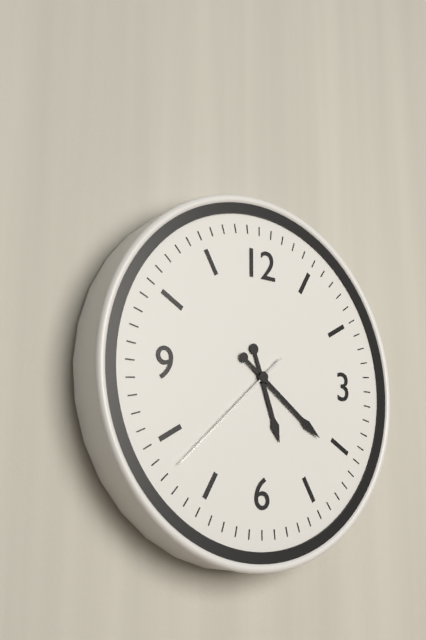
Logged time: 5.21.38
